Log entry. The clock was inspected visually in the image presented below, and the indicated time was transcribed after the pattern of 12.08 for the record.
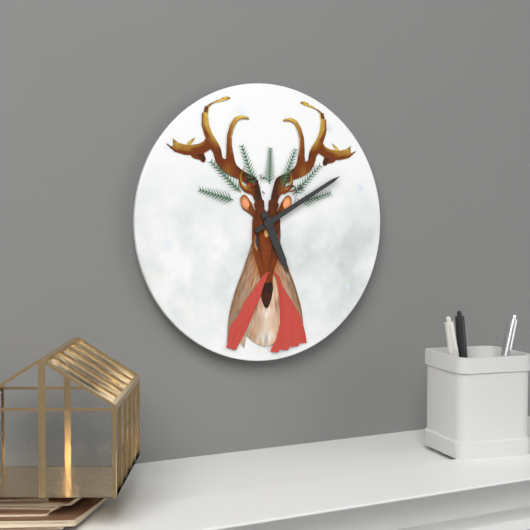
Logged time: 5.10
